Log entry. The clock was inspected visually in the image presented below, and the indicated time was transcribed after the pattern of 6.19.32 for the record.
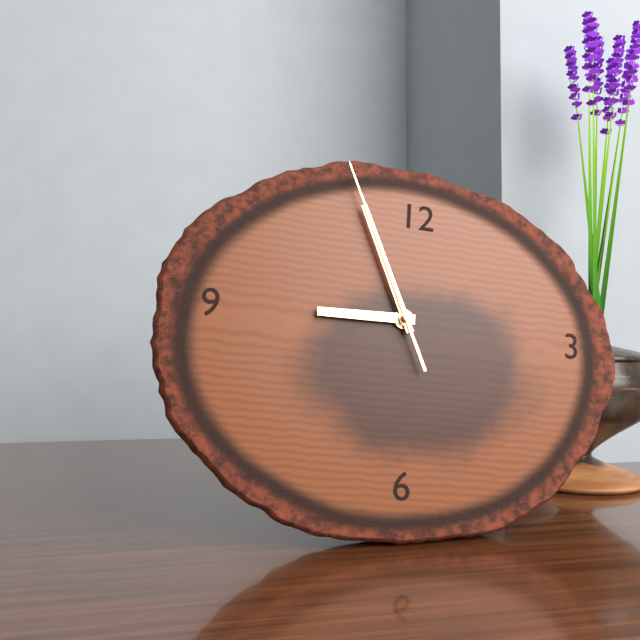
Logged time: 8.56.56
